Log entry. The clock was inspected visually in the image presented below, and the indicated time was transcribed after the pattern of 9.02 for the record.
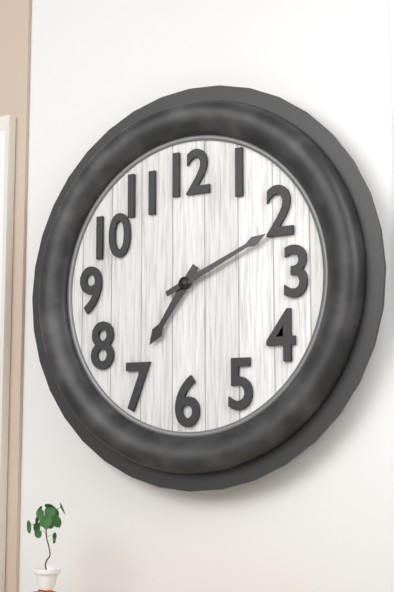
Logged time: 7.11
